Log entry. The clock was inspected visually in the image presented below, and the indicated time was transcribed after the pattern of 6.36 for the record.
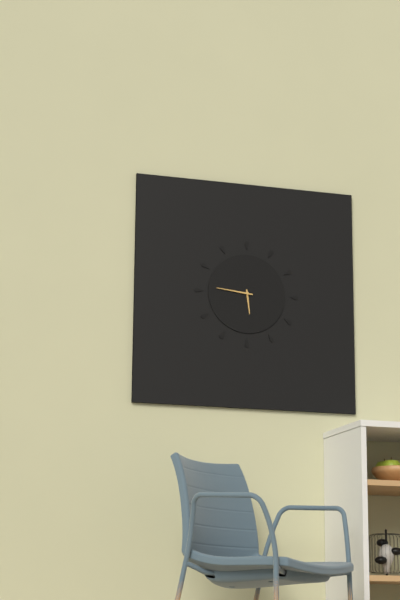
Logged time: 5.46
